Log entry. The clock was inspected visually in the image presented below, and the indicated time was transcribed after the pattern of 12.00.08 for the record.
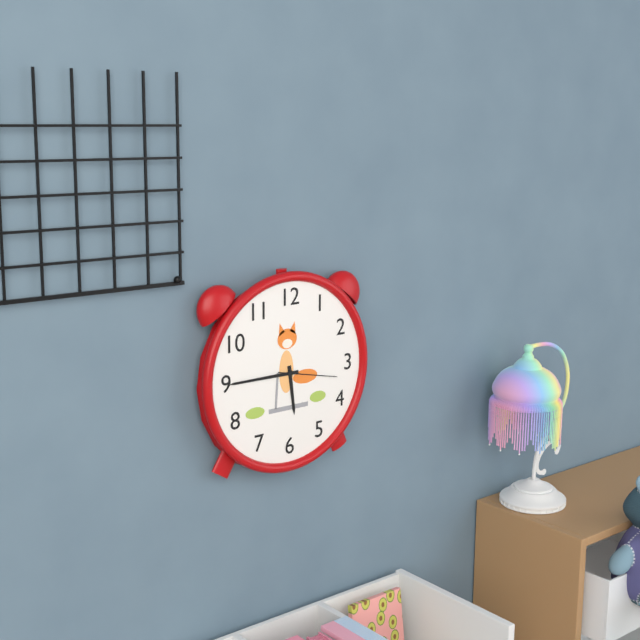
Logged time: 5.45.17
